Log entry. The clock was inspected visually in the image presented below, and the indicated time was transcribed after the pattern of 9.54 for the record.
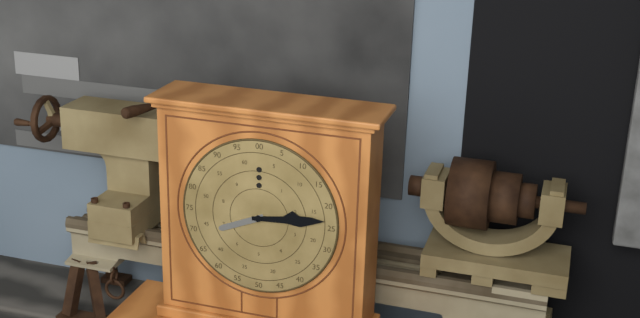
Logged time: 8.14
